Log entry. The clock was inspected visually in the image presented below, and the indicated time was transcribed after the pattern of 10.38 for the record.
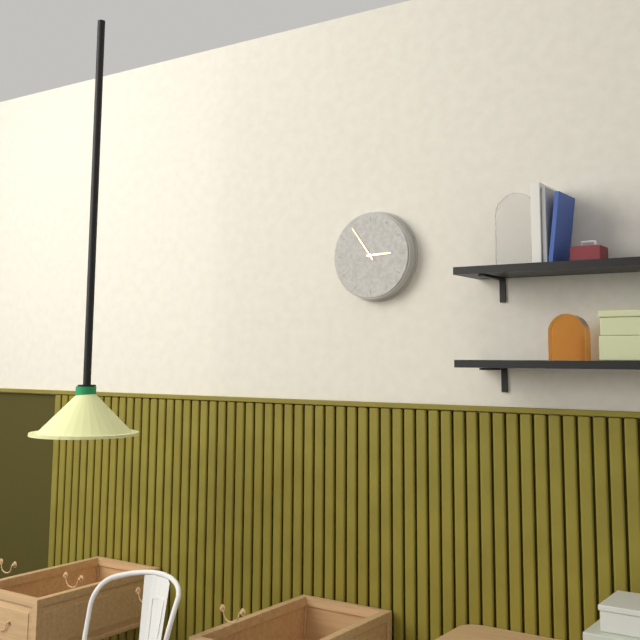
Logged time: 2.54
